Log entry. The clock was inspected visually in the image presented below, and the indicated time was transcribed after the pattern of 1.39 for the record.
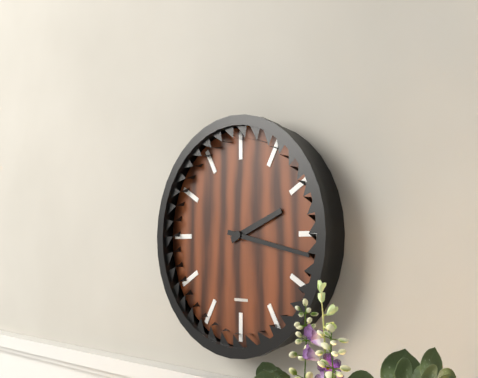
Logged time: 2.17
